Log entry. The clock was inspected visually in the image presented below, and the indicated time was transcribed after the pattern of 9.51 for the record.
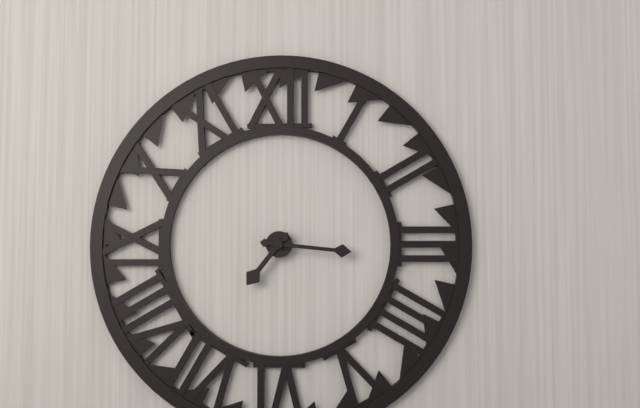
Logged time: 7.16
